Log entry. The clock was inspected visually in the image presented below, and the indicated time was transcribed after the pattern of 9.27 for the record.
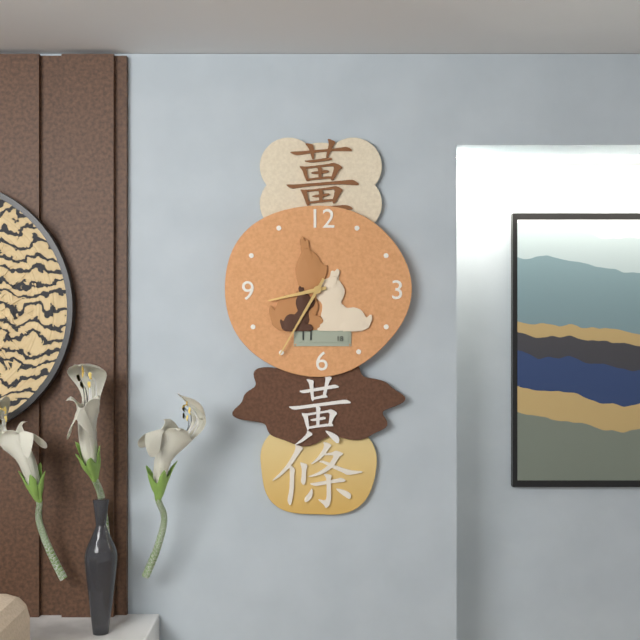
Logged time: 8.35
